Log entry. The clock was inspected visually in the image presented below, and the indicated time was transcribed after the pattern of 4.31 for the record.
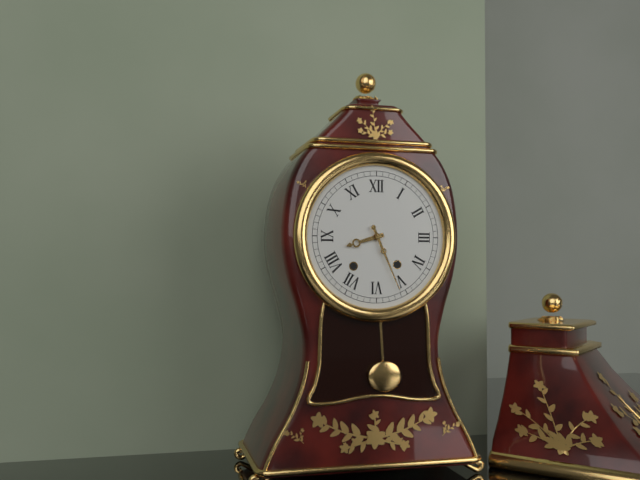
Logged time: 8.26
